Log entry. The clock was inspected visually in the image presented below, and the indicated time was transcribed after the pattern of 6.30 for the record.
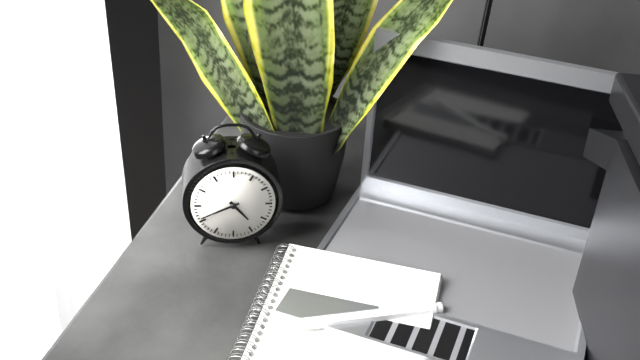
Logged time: 4.41
